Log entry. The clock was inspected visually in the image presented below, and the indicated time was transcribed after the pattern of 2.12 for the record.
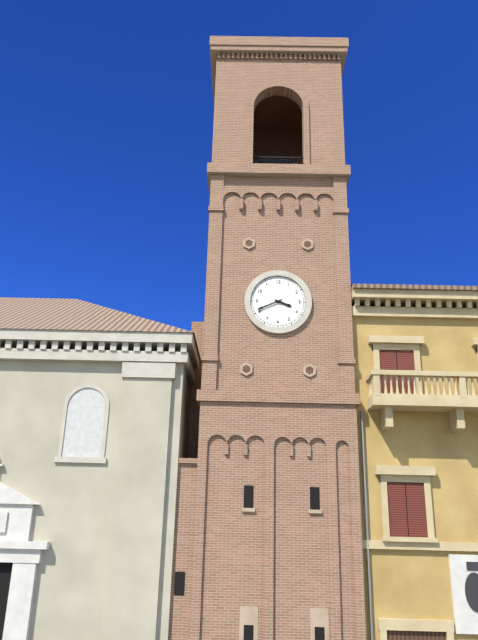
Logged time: 3.41
